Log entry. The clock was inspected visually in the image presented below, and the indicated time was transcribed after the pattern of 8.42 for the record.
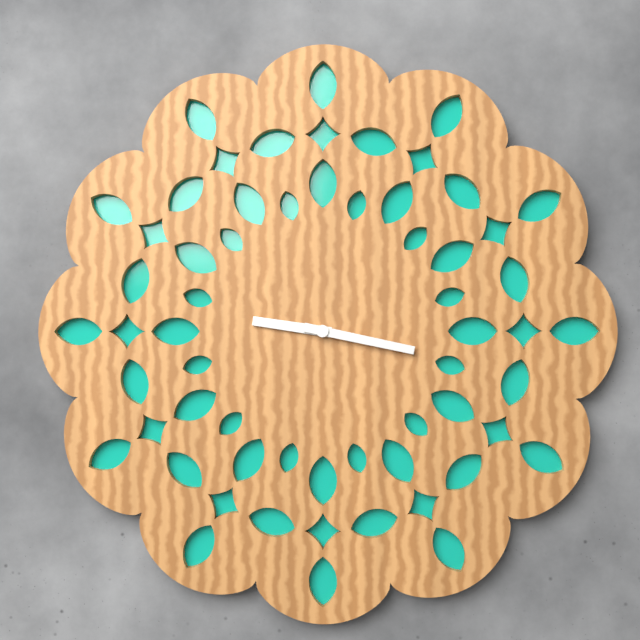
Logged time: 9.17
